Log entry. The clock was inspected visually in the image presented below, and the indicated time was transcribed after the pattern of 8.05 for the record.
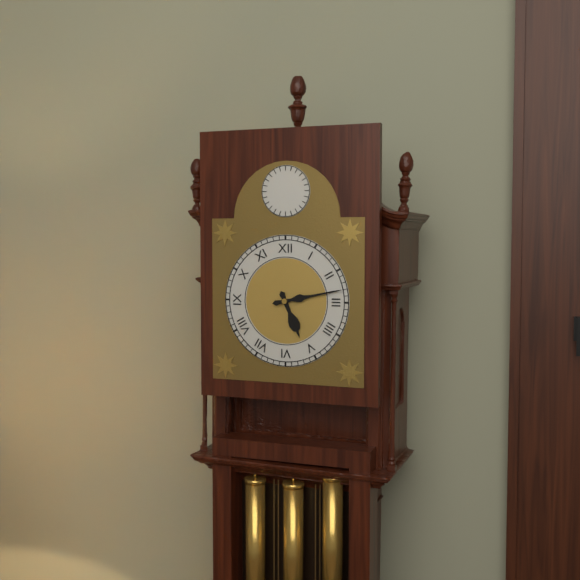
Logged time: 5.13
